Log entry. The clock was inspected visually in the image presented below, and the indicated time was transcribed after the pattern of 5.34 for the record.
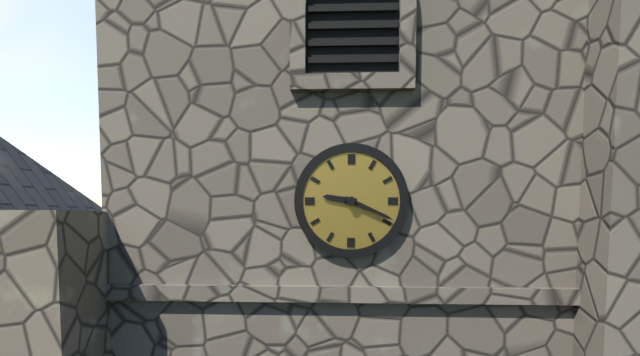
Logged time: 9.19
